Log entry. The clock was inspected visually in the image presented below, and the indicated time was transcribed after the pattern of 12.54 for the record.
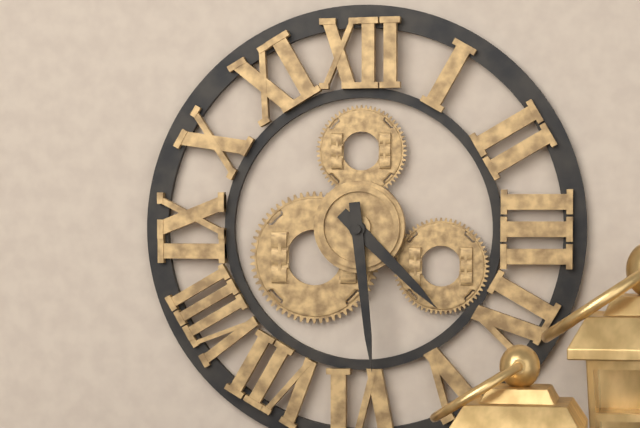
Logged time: 4.29
